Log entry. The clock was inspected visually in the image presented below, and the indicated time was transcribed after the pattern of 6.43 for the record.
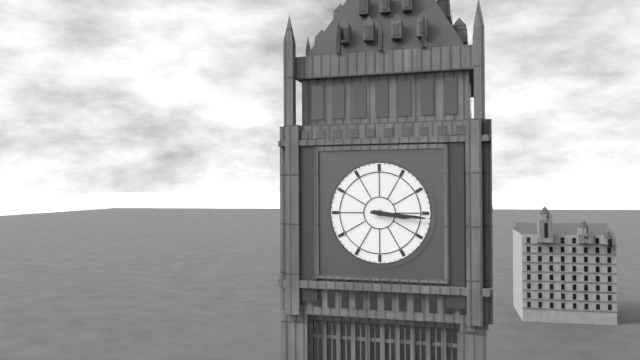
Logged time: 3.16
